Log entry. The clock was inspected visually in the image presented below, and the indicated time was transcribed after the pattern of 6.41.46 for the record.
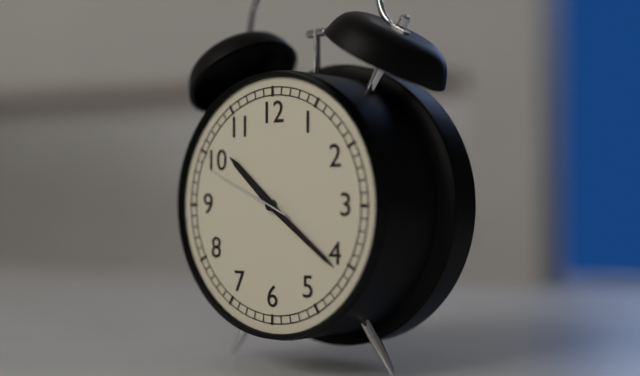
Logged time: 10.21.49
